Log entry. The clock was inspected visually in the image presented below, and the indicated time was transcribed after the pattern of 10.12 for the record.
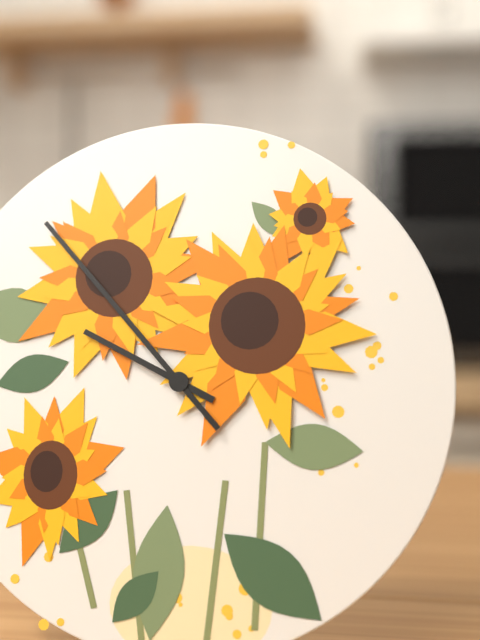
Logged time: 9.53
